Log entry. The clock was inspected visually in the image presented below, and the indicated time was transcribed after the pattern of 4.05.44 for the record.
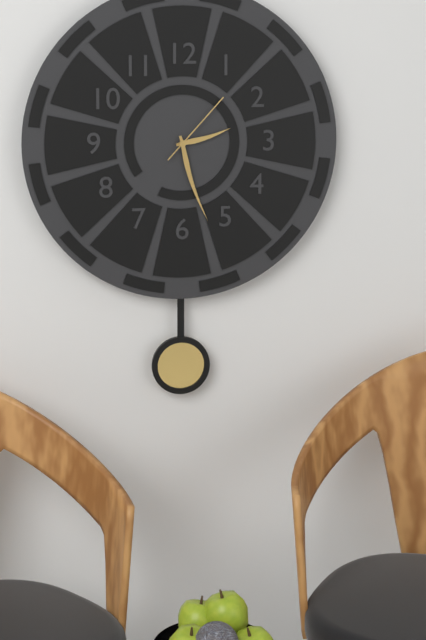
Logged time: 2.27.07
